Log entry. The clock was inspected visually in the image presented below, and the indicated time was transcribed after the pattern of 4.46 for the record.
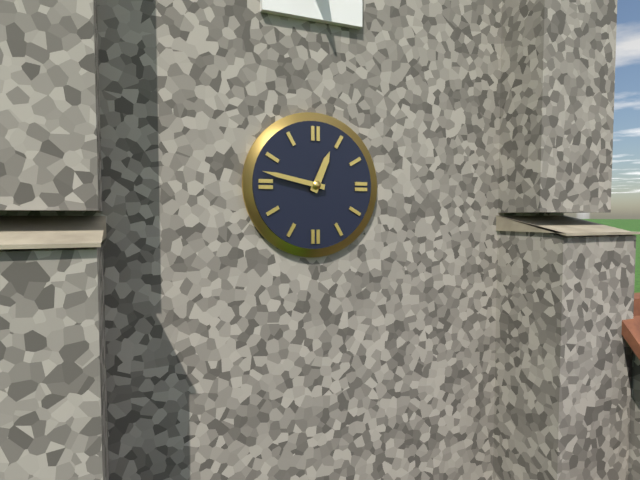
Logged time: 12.47
